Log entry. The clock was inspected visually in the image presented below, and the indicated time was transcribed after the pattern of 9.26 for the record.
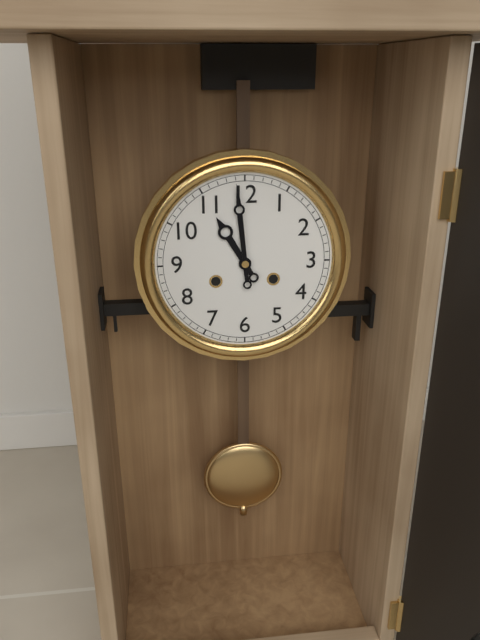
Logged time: 10.59
